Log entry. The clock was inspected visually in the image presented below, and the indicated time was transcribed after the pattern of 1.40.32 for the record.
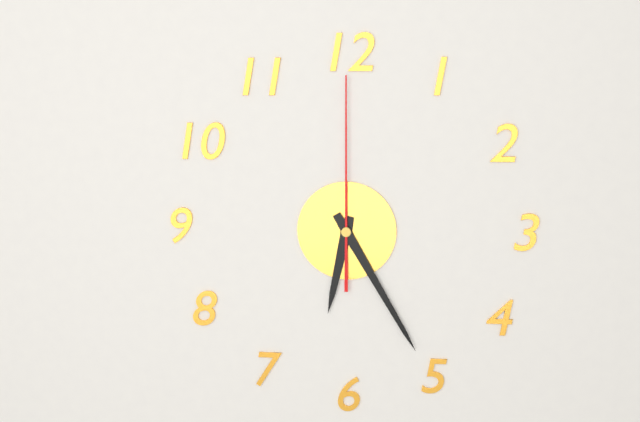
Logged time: 6.25.00
